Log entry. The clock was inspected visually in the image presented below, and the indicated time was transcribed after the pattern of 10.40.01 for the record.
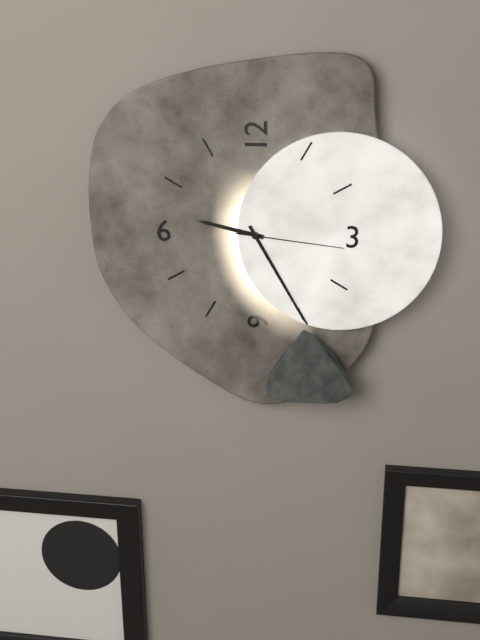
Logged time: 9.25.16
